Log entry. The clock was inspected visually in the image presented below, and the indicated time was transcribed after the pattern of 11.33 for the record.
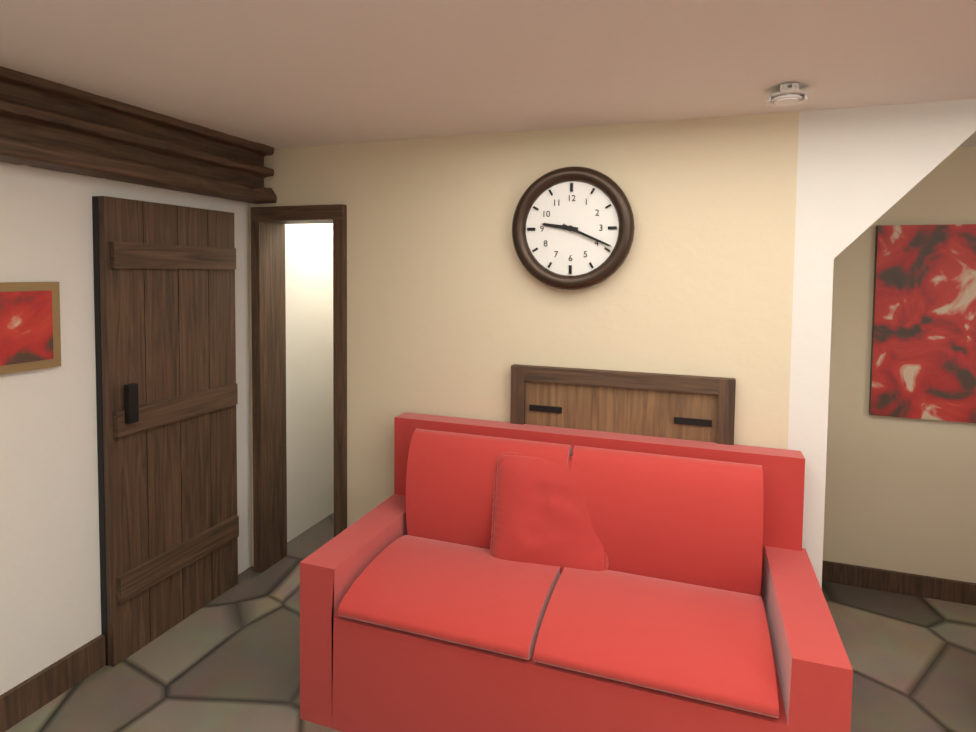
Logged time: 9.19
